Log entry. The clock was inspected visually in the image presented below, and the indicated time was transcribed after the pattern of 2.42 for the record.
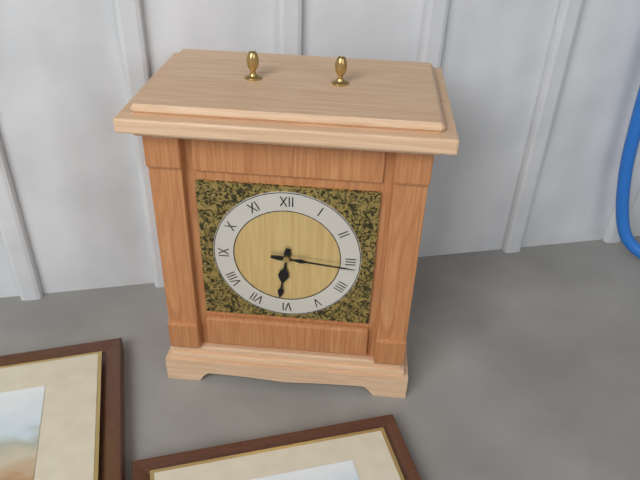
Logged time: 6.16
